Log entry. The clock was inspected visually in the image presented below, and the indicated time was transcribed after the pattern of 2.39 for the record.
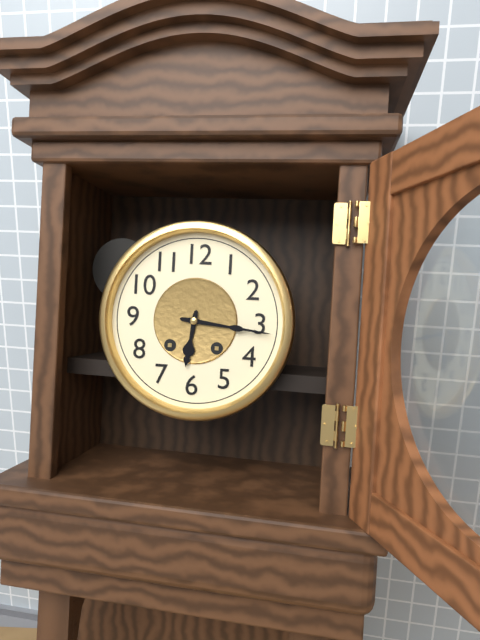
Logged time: 6.16
